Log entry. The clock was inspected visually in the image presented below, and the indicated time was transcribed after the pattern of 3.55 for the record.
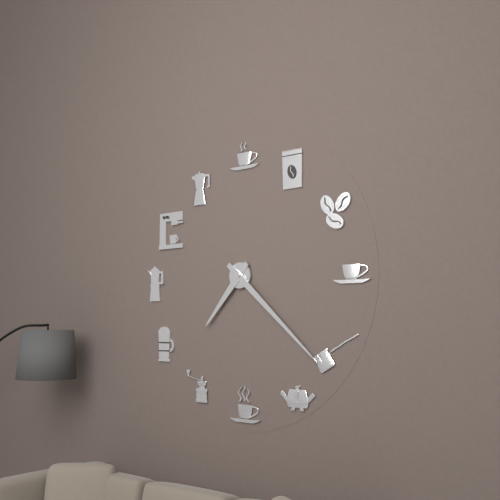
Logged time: 7.22
